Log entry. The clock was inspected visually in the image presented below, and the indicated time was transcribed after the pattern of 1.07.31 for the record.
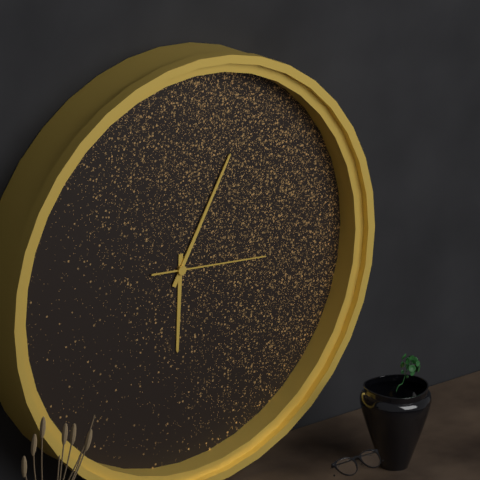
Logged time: 6.05.16
